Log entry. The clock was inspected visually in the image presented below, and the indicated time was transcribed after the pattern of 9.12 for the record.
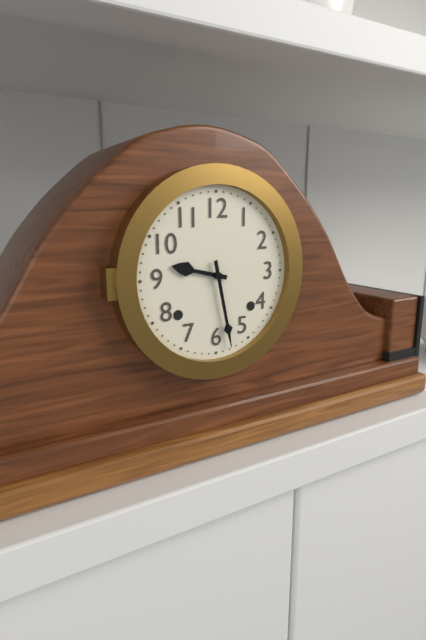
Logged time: 9.28
